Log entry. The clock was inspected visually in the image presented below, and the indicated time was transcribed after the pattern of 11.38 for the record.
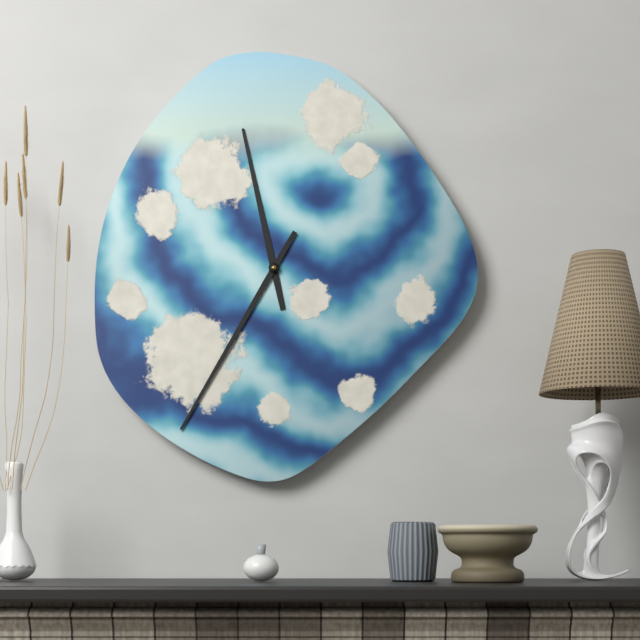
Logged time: 11.35
